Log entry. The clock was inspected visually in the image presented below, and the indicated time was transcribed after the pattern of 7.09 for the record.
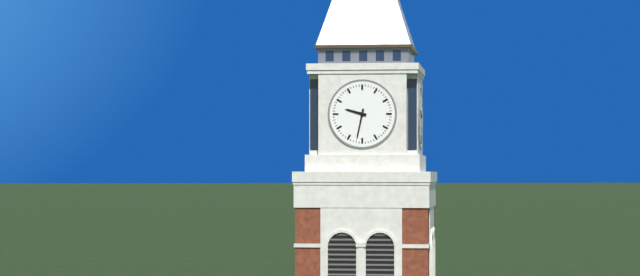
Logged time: 9.32
